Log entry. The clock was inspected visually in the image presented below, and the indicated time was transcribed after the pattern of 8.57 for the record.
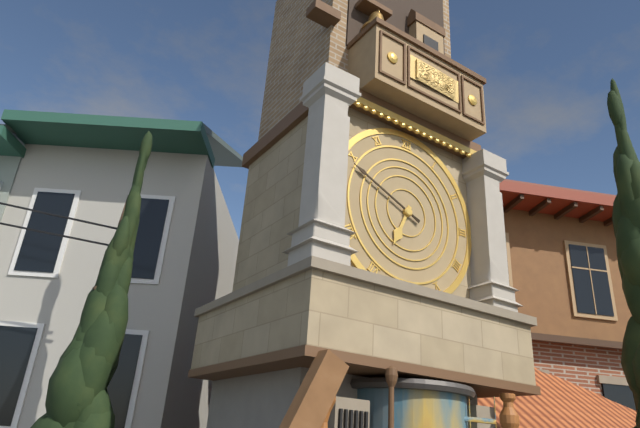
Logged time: 6.49
